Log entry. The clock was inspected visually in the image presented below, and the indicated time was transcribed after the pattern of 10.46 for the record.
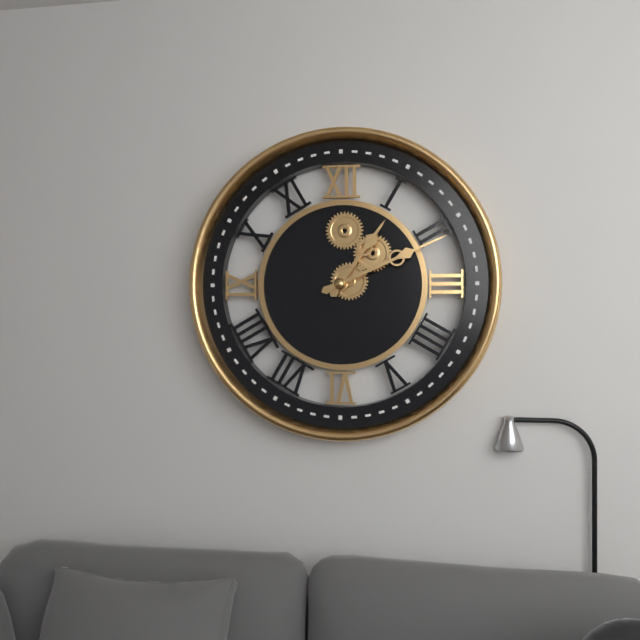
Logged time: 1.11
